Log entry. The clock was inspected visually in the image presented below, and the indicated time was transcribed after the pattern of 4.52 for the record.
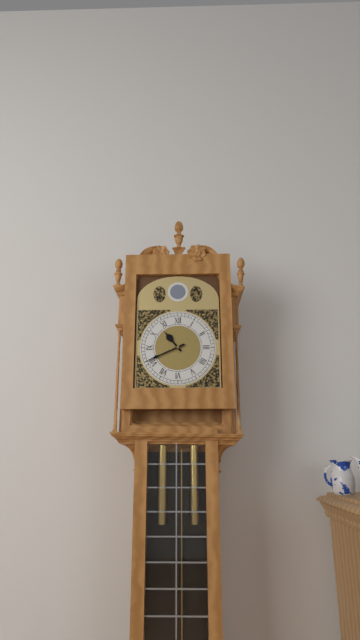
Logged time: 10.41
